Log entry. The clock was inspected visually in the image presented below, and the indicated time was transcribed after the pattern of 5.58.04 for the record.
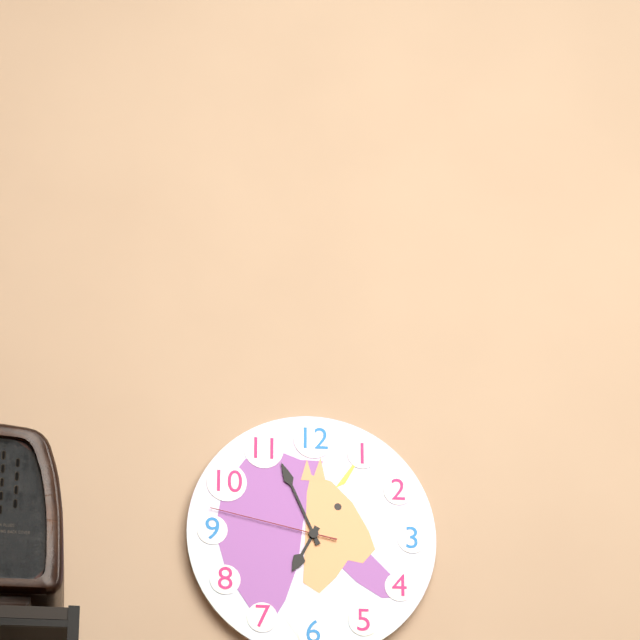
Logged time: 6.56.47
